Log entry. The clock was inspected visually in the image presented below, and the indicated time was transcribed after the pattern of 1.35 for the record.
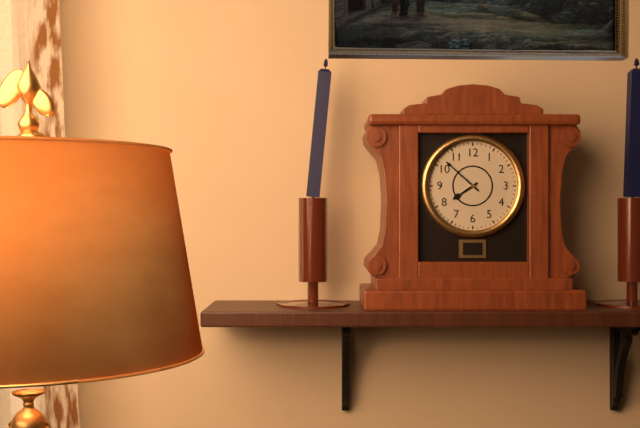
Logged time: 7.52
